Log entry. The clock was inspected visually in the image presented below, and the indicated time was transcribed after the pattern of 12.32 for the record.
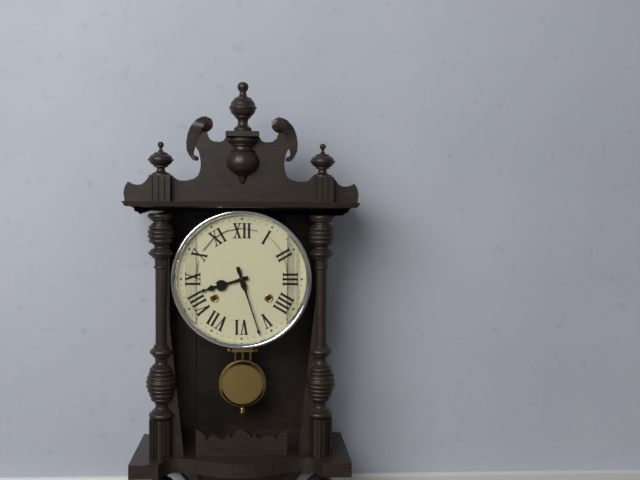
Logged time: 8.27
